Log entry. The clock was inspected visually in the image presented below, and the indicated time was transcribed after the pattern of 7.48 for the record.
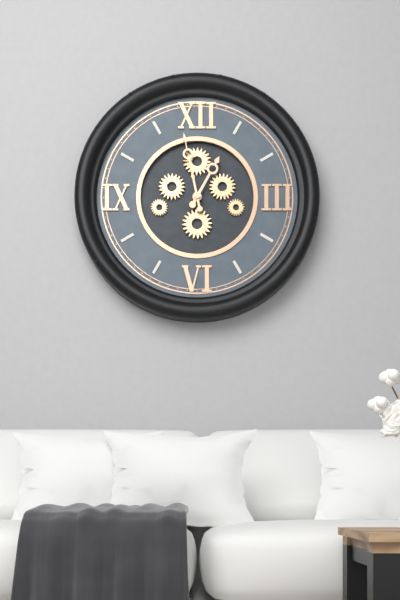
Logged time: 12.58
